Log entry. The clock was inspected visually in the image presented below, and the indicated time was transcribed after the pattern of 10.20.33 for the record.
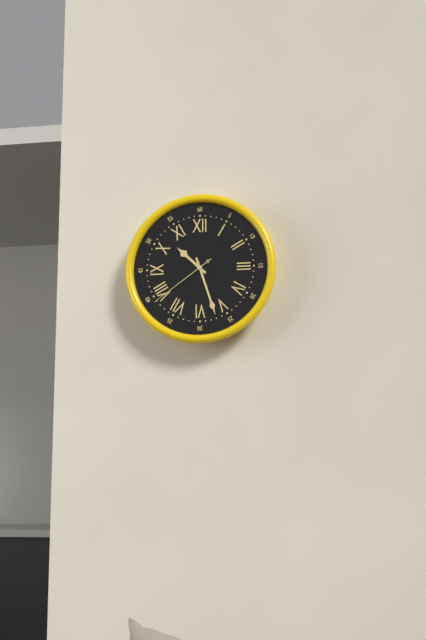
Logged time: 10.27.39
